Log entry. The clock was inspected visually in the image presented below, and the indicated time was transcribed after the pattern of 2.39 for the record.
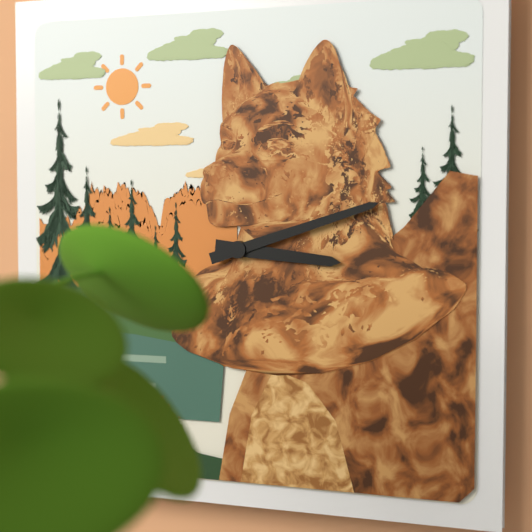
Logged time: 3.12
